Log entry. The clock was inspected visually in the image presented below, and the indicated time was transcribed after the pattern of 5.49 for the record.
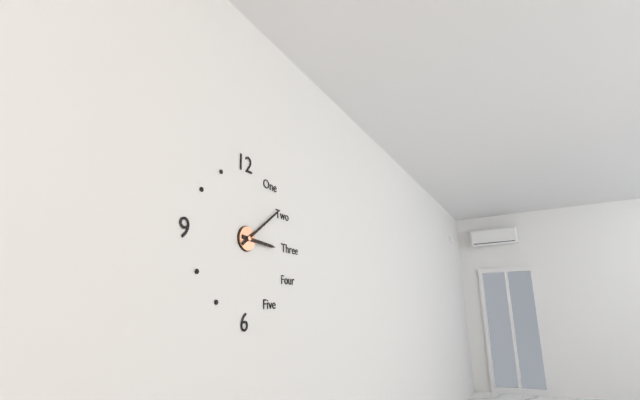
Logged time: 3.09
